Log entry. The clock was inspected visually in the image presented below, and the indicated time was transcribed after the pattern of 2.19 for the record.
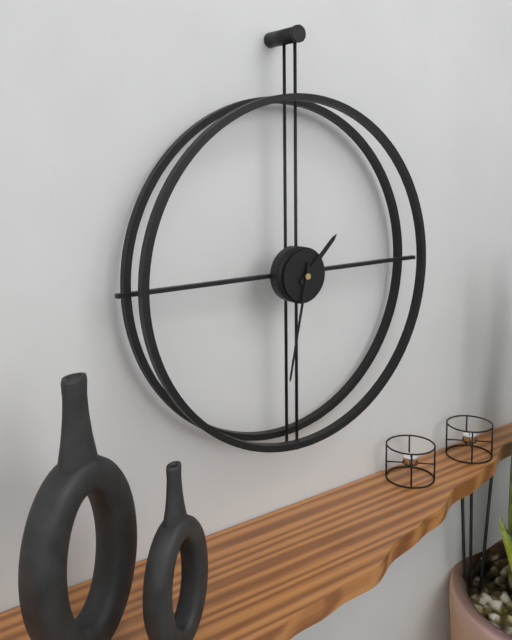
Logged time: 1.32
